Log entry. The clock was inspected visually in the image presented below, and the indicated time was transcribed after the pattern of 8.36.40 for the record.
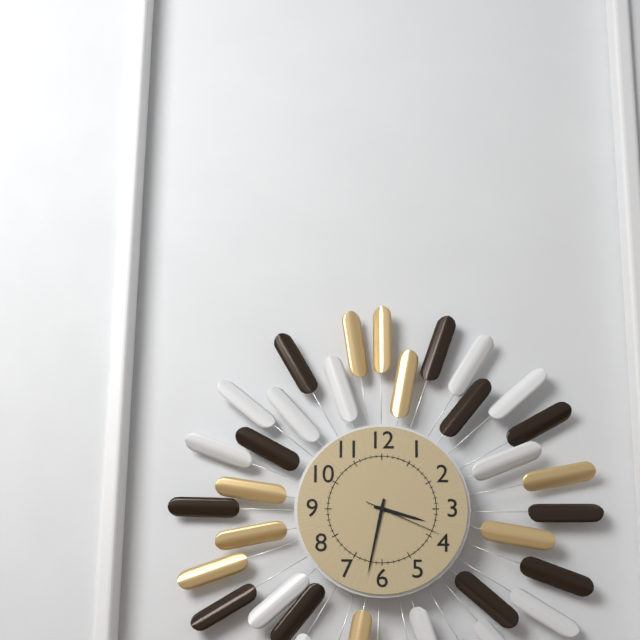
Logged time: 3.32.19
